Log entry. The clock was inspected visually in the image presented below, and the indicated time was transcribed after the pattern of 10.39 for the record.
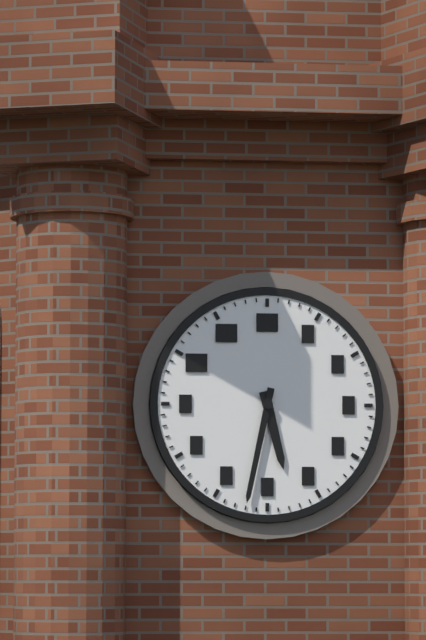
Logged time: 5.32
